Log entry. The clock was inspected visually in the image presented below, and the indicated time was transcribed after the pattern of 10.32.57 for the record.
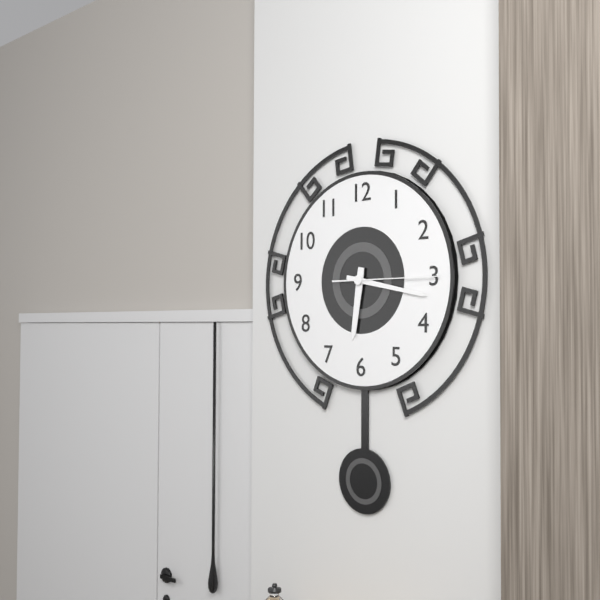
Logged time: 6.17.15
